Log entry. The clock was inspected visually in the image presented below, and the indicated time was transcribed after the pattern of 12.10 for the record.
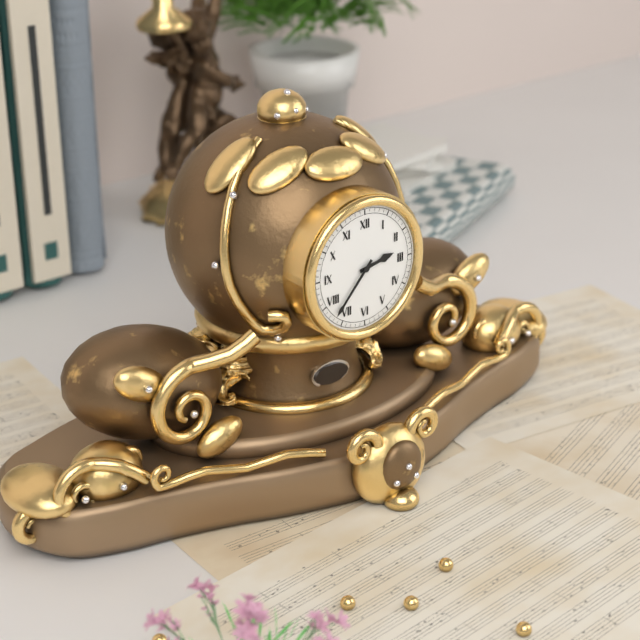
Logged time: 2.37
